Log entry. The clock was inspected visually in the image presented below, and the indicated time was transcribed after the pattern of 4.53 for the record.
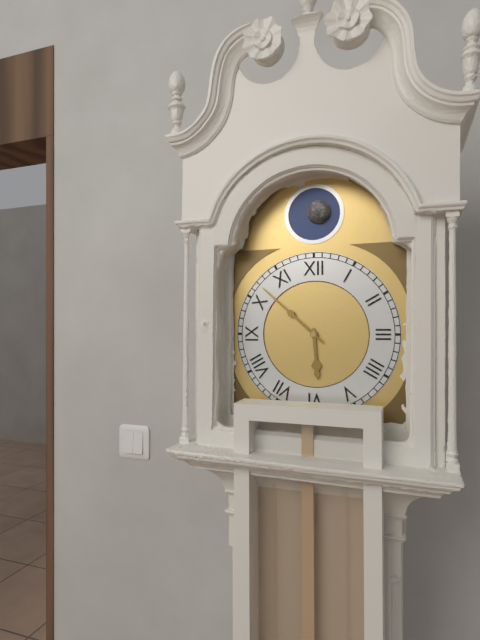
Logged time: 5.52
